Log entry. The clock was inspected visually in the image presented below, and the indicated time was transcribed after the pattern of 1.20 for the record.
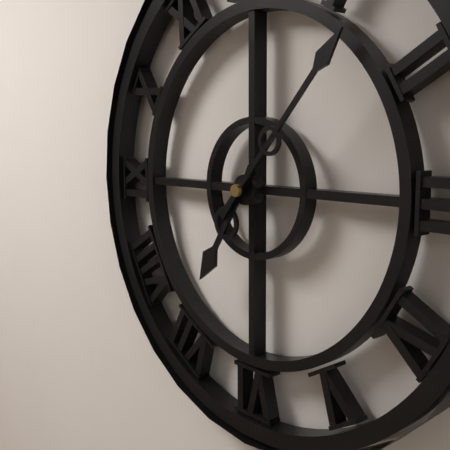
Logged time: 7.07
